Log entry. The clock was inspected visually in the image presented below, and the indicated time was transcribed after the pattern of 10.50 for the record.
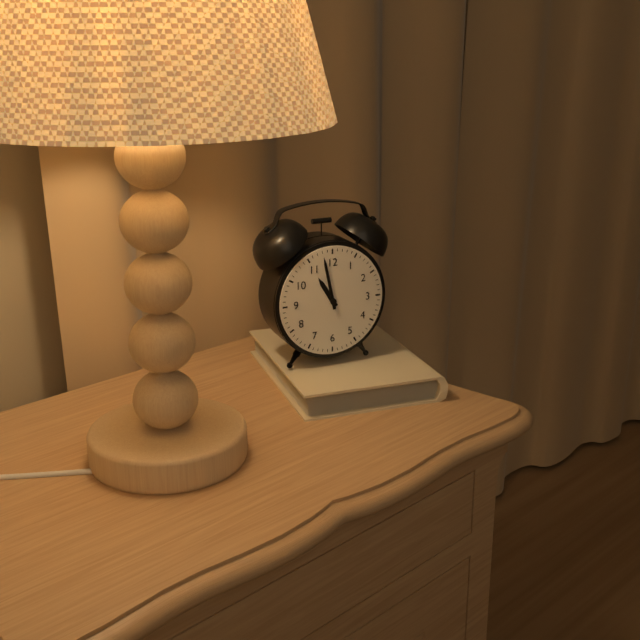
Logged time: 10.58
